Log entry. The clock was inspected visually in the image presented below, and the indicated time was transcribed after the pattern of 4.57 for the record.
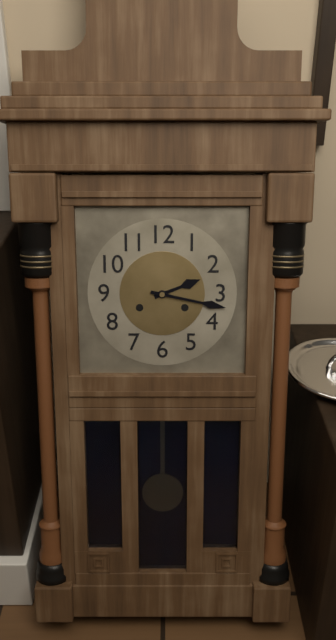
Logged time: 2.17
